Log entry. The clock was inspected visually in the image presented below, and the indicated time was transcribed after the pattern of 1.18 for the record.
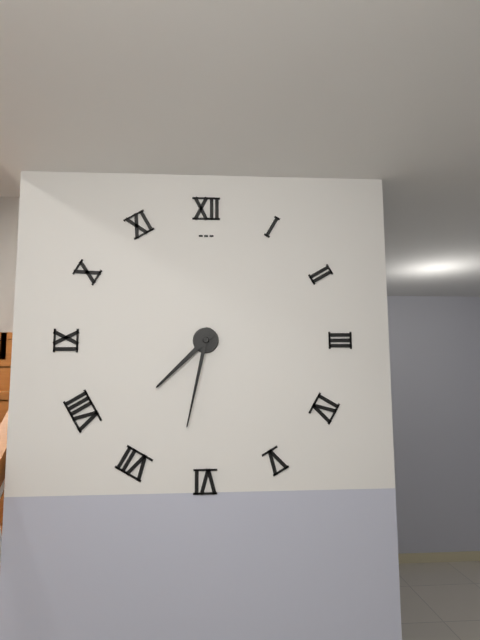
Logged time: 7.32
